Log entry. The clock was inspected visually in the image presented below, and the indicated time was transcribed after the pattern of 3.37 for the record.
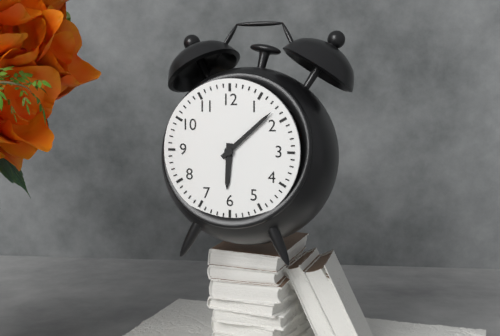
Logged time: 6.08
